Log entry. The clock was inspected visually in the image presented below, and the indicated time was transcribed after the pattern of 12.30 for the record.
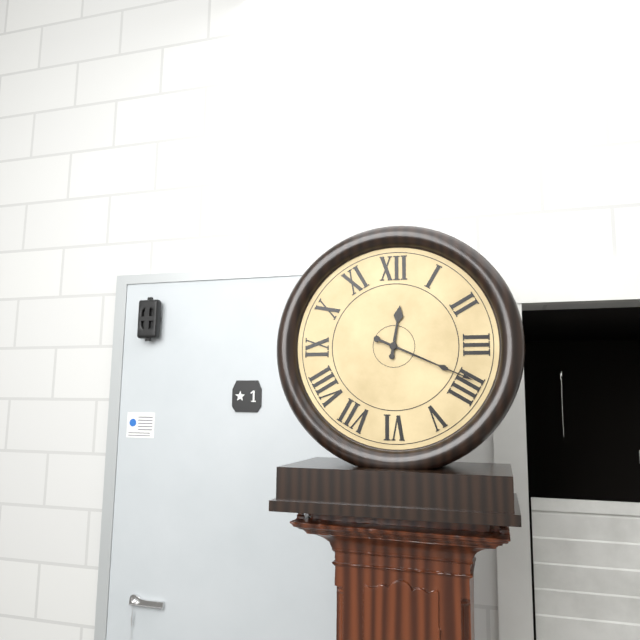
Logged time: 12.19
